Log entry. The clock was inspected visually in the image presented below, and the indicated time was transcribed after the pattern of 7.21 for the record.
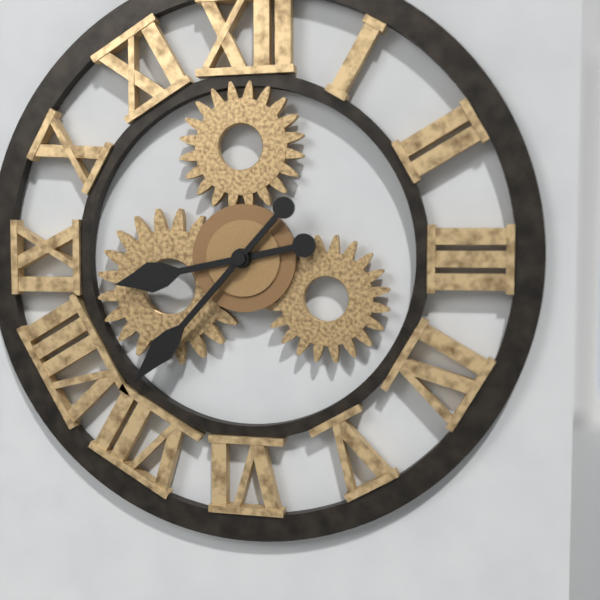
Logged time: 8.37
